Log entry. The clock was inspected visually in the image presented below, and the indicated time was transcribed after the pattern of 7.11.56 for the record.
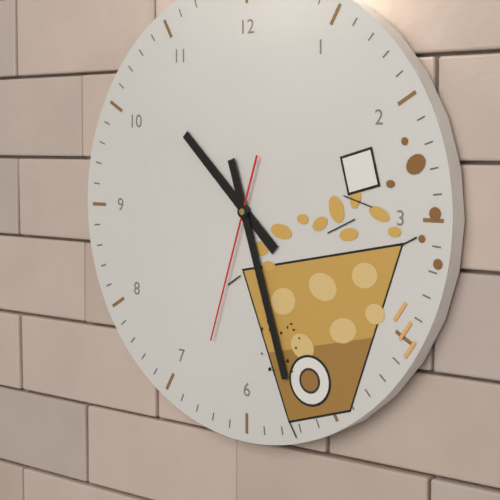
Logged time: 10.27.33
